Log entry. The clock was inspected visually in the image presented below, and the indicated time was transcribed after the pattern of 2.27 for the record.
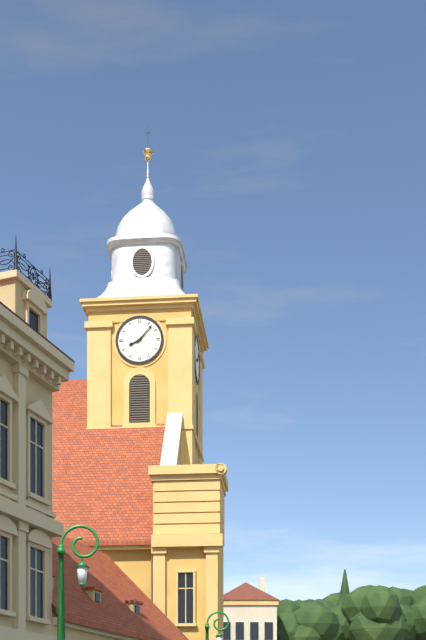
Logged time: 8.07
